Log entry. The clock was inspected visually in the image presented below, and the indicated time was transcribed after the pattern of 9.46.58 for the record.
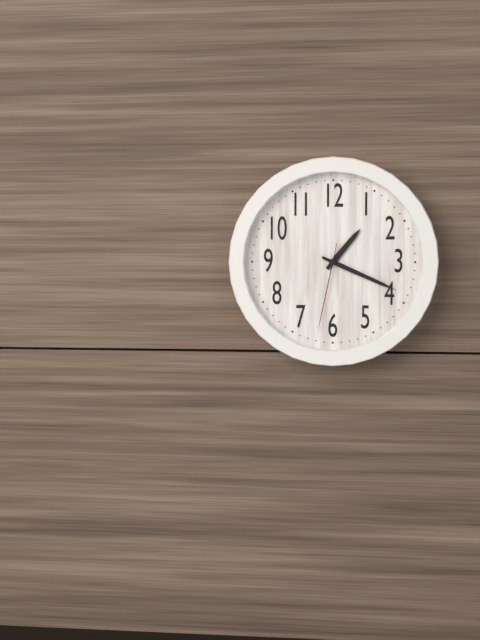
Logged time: 1.19.32
